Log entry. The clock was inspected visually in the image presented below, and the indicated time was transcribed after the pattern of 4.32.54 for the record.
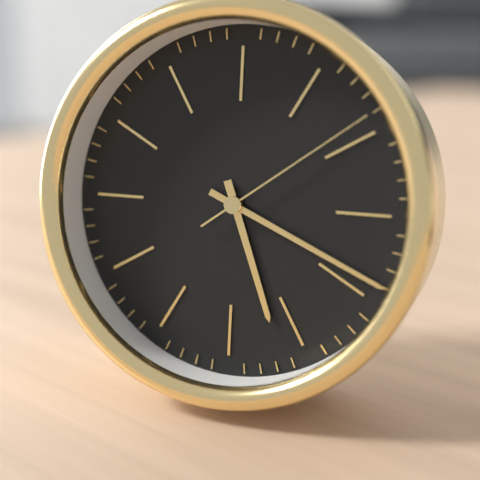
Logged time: 5.19.09
